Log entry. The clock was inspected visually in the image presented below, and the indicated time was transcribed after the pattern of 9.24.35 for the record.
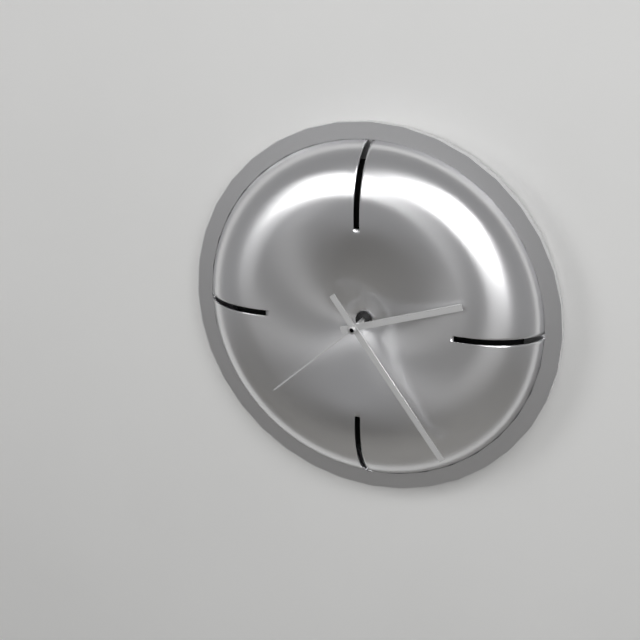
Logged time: 2.24.38
